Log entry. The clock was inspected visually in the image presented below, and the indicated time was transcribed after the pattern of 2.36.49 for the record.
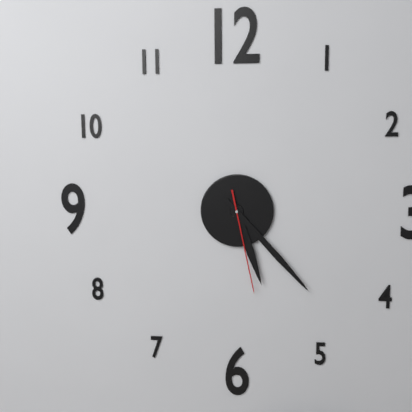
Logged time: 5.23.28
